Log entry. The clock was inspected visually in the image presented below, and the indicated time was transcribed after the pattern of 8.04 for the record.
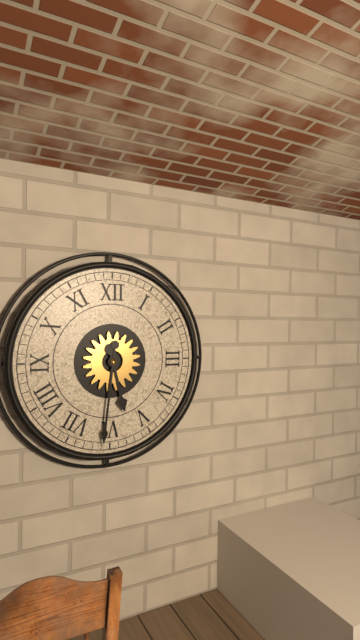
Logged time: 5.31
